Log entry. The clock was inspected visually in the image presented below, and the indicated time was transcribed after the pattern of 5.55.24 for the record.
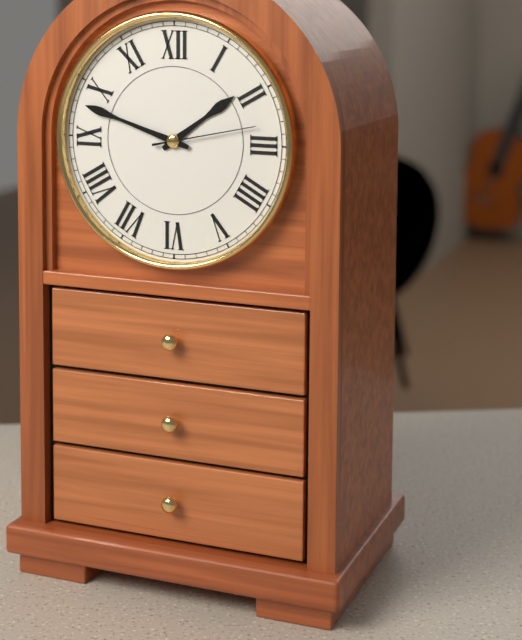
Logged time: 1.48.13
